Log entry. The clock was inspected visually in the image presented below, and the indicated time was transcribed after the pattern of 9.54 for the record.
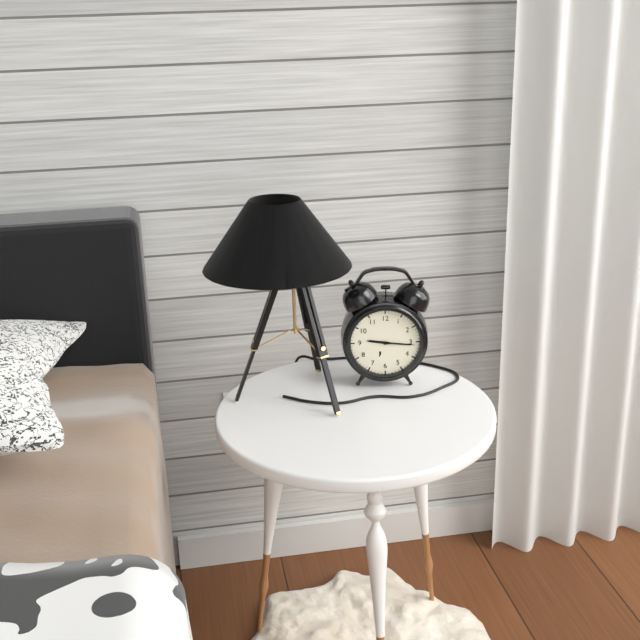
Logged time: 9.16
